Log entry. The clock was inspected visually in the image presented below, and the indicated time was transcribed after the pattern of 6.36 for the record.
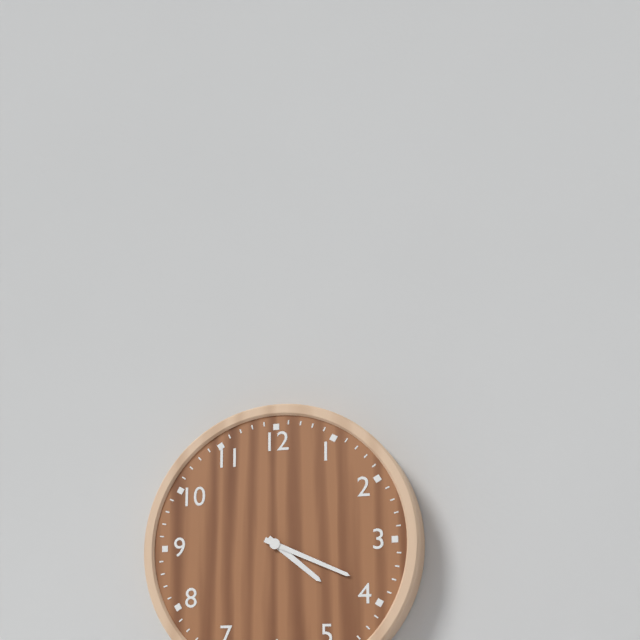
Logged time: 4.19
